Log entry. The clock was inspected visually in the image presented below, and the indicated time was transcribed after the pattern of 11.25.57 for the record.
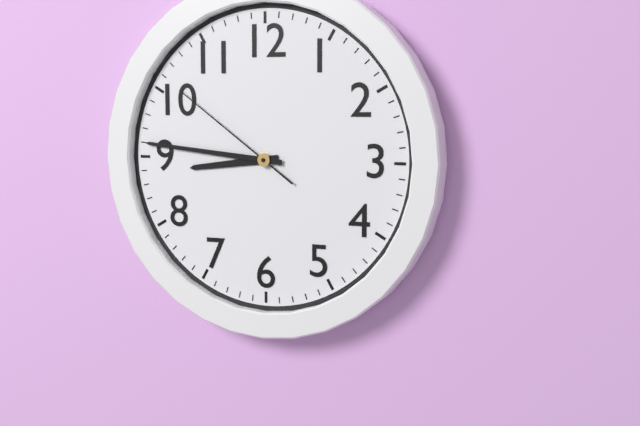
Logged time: 8.46.51
